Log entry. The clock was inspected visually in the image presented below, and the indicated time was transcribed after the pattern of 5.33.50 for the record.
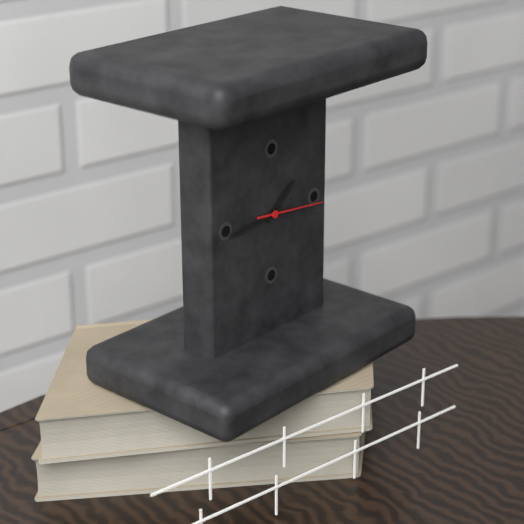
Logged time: 1.44.16
